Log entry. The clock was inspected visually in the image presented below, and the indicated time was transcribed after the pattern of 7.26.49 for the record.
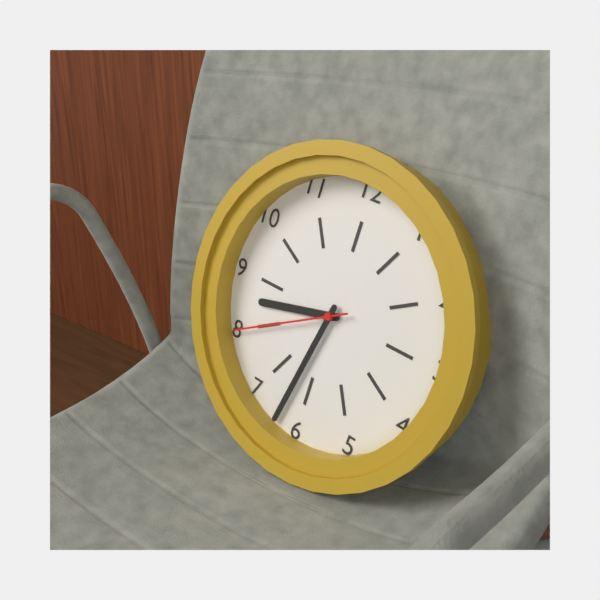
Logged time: 8.32.40
